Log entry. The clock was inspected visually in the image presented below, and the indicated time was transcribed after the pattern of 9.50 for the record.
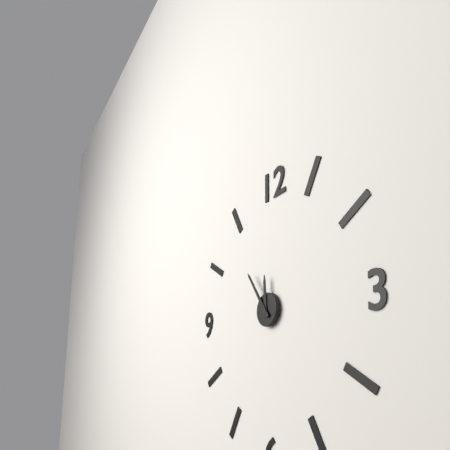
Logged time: 11.54
